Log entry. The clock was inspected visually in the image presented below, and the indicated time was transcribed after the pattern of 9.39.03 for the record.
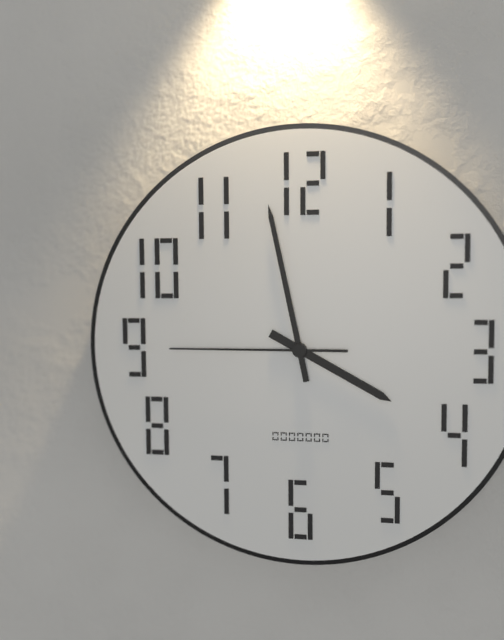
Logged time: 3.58.45
